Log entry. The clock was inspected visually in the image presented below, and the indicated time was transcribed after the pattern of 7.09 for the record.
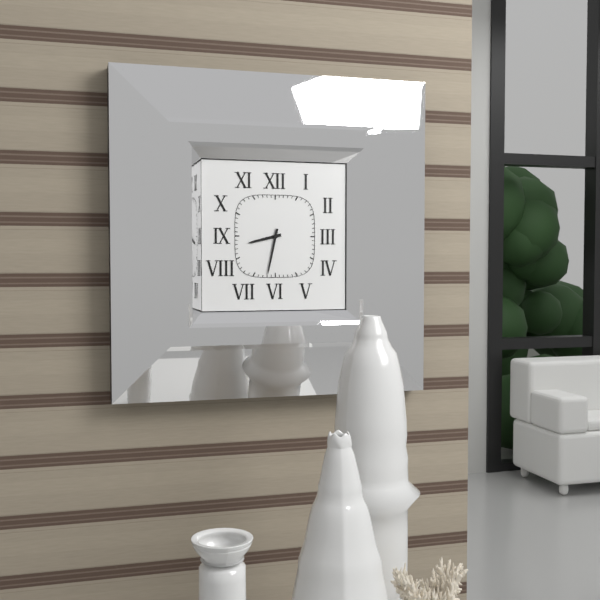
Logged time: 8.32
